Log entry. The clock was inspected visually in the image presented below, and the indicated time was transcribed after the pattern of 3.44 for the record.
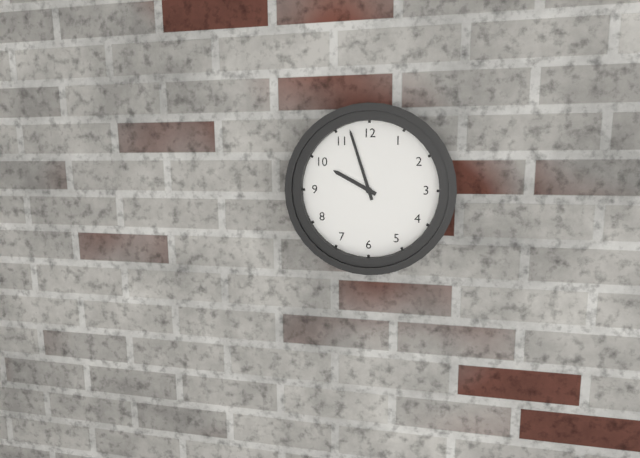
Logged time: 9.57
